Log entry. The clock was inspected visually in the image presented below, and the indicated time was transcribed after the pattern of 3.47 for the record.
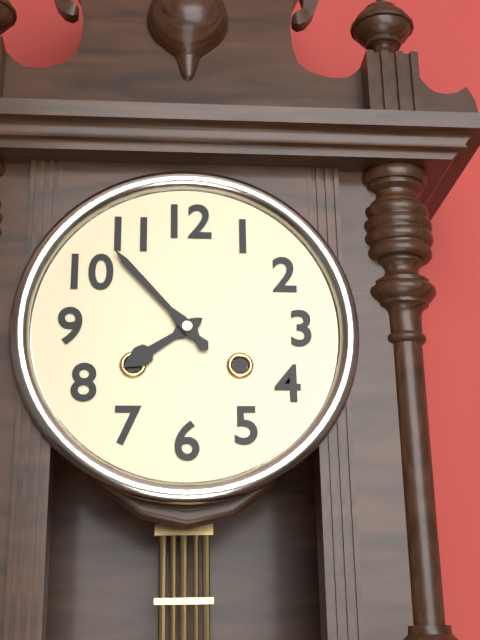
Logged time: 7.53
